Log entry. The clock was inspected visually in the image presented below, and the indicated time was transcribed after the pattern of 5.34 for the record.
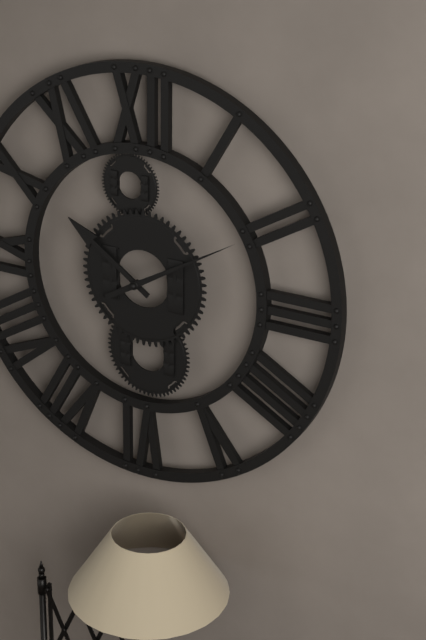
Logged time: 10.10
